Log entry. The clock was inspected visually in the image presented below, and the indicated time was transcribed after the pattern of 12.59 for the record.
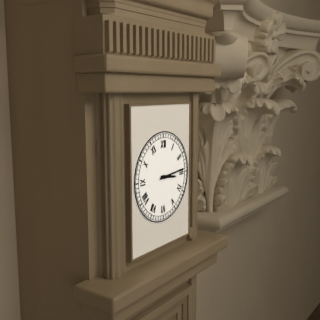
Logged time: 3.14
